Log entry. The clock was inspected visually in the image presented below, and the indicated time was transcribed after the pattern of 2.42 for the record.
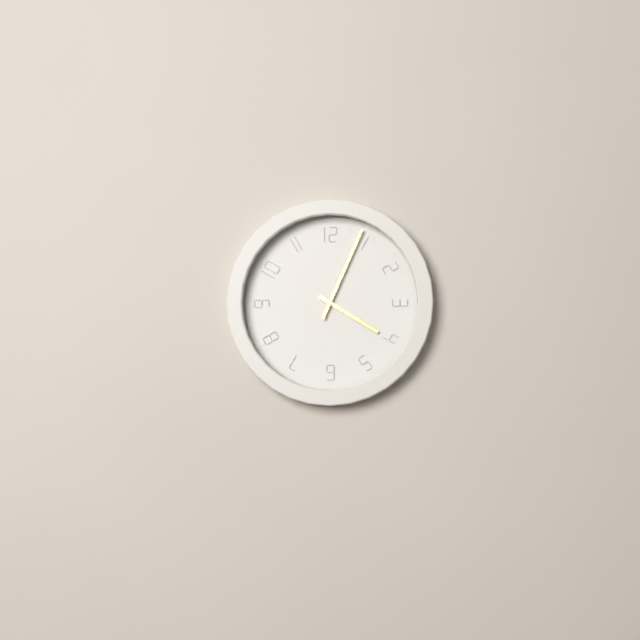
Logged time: 4.04
